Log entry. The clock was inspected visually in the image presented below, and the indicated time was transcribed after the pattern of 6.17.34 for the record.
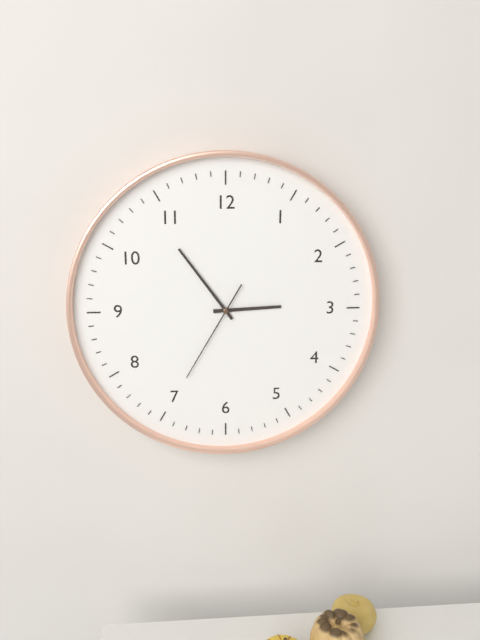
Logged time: 2.54.35
